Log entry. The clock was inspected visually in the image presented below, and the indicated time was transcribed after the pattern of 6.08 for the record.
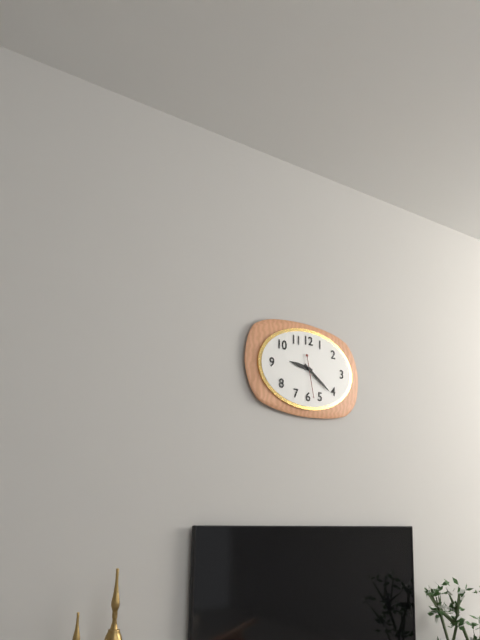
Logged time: 9.21
